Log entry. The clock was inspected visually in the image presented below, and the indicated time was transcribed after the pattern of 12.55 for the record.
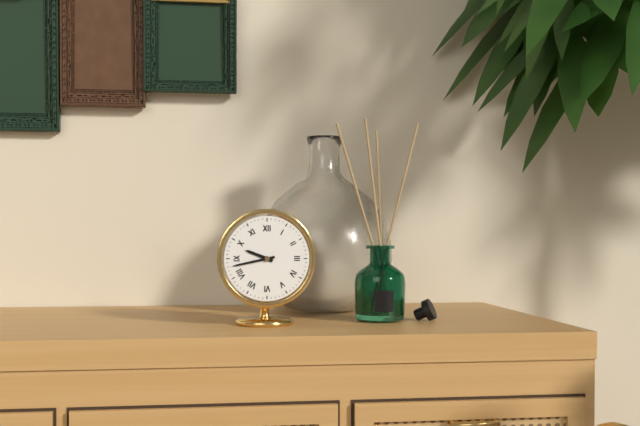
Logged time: 9.43
